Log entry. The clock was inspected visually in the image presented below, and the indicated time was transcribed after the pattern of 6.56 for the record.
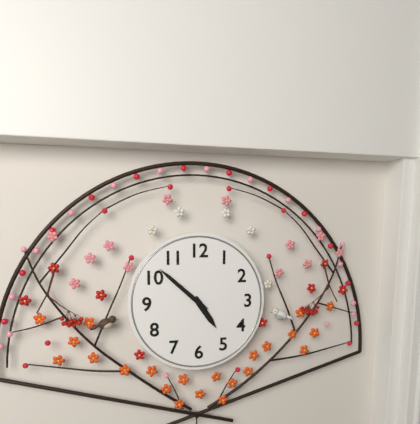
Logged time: 4.52
